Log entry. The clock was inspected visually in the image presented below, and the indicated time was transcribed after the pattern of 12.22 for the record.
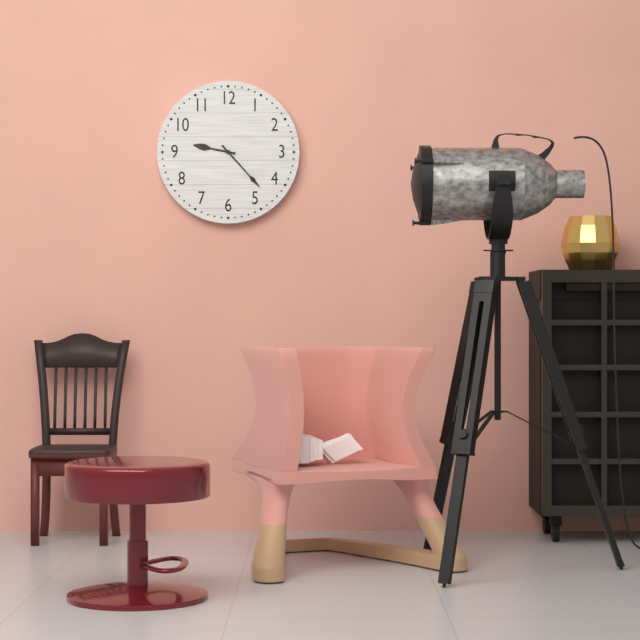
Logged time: 9.23
